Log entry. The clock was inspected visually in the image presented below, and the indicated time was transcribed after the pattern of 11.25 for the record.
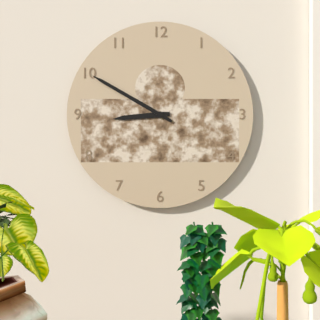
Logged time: 8.50
